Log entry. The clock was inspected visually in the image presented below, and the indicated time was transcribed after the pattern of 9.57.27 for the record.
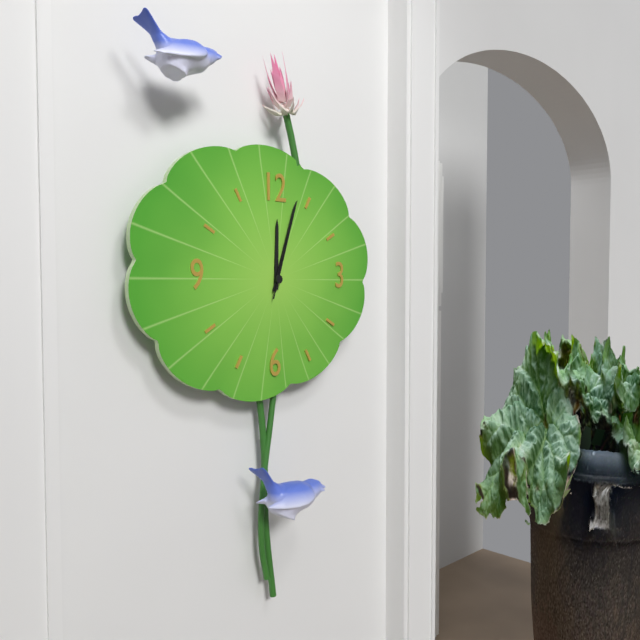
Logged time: 12.03.03
